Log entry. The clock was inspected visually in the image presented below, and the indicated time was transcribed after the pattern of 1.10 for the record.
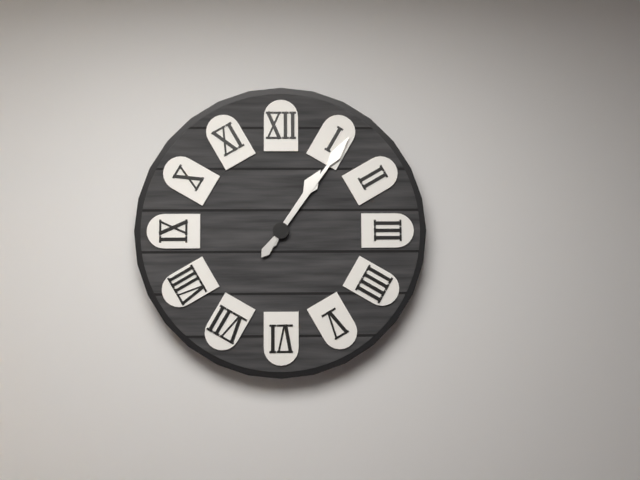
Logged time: 1.06
